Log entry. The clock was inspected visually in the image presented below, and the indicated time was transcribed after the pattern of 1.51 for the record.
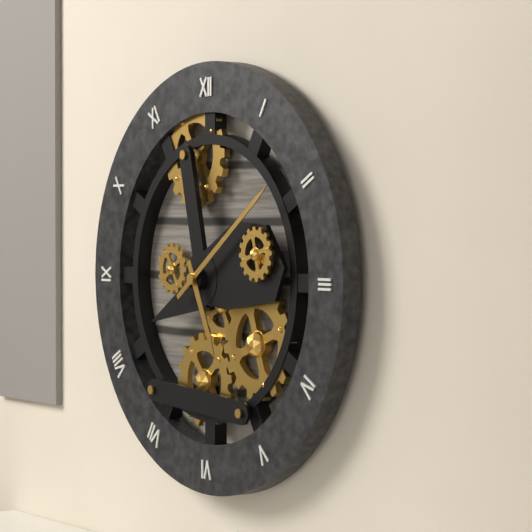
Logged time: 5.09
